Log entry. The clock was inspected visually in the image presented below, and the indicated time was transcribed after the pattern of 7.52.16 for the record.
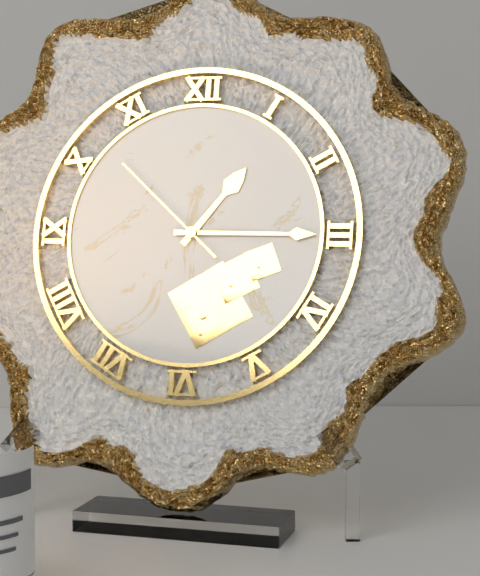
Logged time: 1.15.52
